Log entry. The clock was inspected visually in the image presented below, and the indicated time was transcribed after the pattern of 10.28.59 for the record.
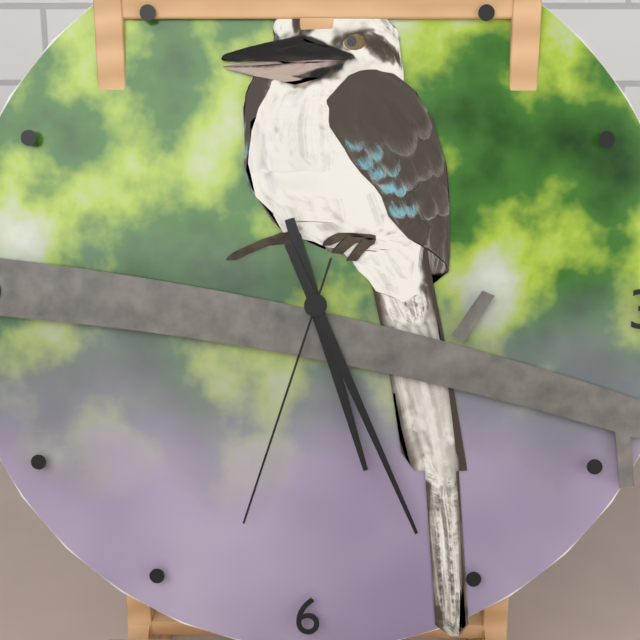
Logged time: 5.26.33
